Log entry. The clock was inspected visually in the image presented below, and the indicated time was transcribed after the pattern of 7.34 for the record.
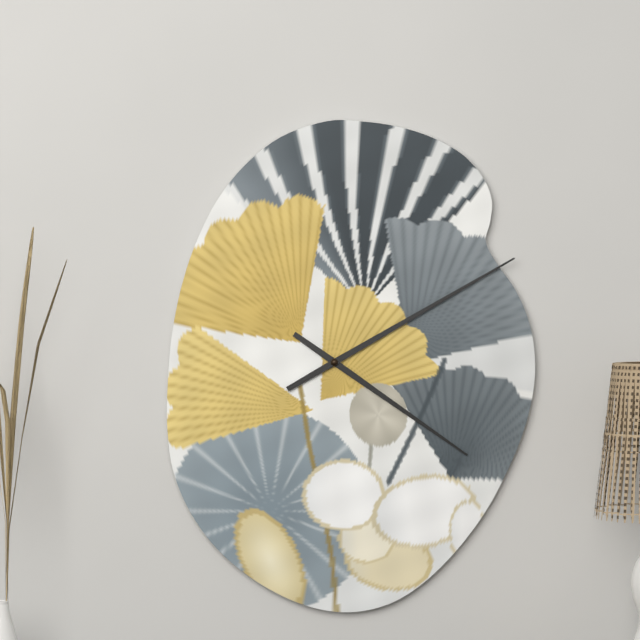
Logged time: 4.10
